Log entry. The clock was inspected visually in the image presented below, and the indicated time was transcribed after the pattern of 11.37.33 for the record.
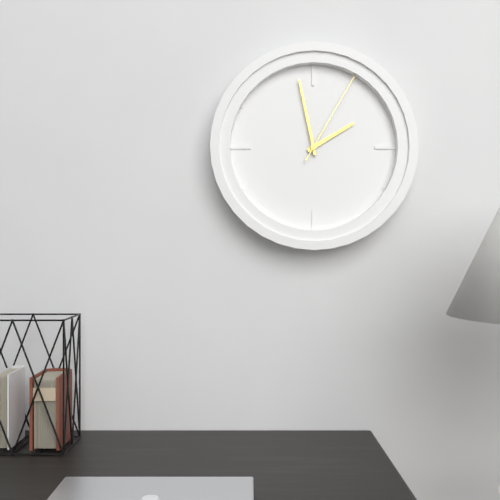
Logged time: 1.58.05
